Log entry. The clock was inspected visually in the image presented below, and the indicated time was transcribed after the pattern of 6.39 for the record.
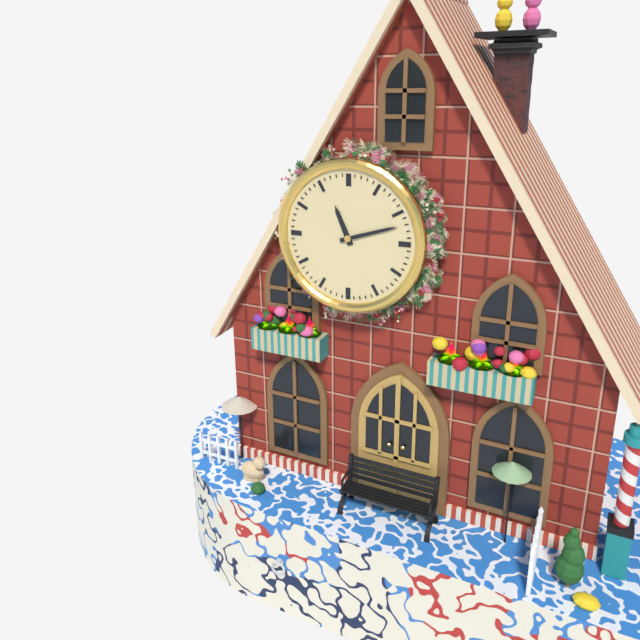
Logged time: 11.12
